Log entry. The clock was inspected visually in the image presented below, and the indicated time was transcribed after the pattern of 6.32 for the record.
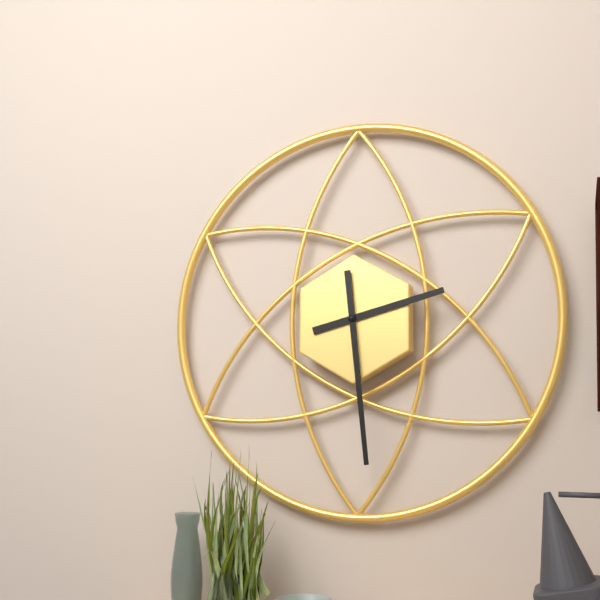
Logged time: 2.29
